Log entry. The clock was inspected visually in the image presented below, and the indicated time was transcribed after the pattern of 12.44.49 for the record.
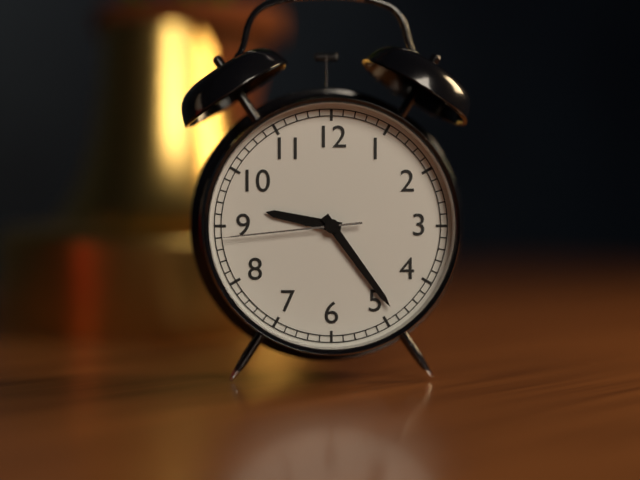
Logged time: 9.24.44
